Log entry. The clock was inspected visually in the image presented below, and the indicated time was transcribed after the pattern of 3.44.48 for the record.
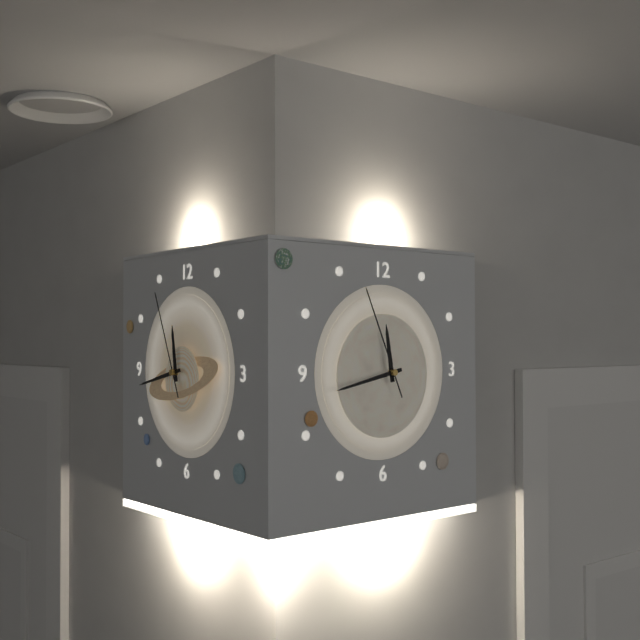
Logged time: 11.43.56
